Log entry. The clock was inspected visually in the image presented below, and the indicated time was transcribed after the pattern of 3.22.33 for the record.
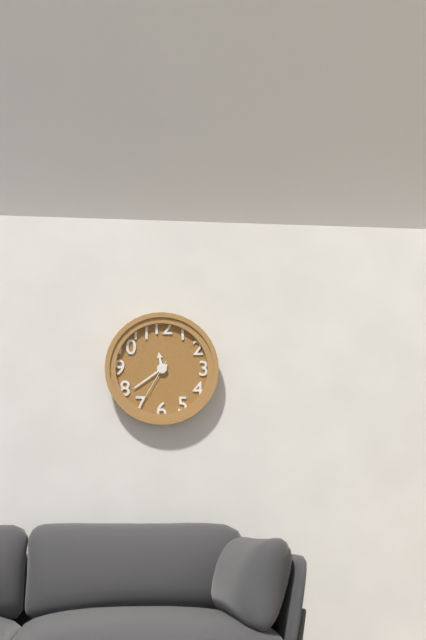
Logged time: 11.39.35
